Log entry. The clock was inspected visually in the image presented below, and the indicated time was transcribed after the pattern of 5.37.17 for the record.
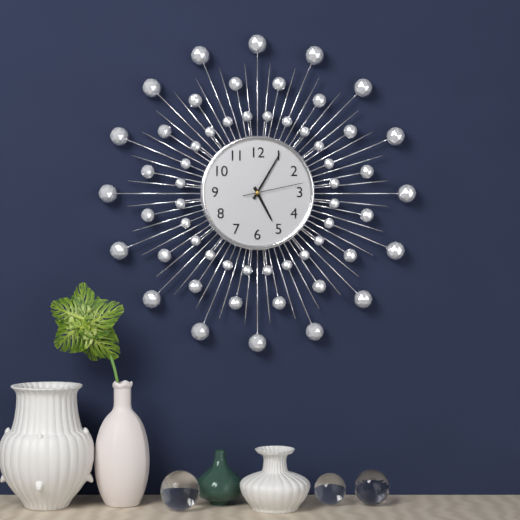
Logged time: 5.05.13
